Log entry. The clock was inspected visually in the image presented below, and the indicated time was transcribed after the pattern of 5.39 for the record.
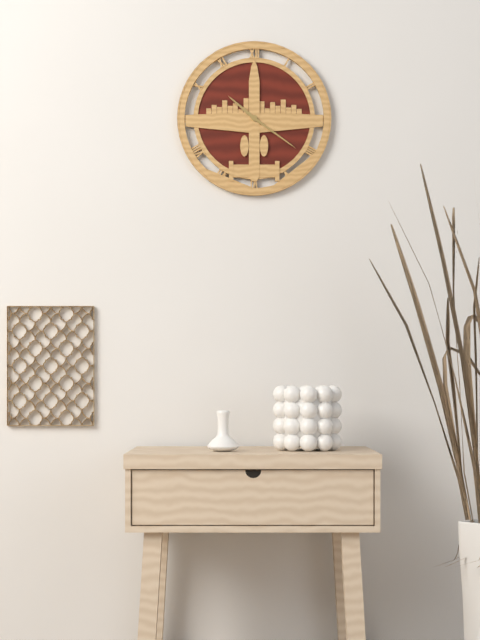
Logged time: 10.21
